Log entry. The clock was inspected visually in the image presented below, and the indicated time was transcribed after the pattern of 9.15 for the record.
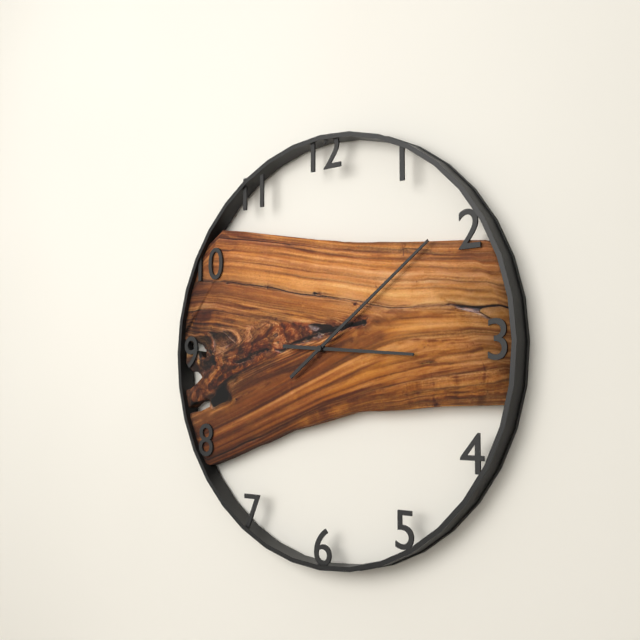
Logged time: 3.09
